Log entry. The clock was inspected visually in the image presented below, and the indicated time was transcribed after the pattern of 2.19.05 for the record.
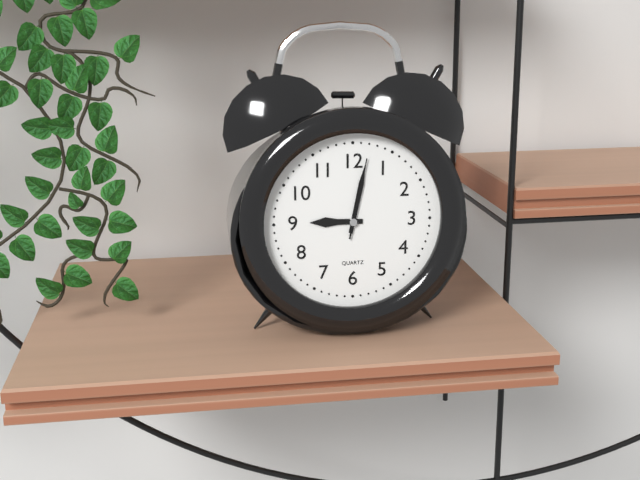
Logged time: 9.02.02
